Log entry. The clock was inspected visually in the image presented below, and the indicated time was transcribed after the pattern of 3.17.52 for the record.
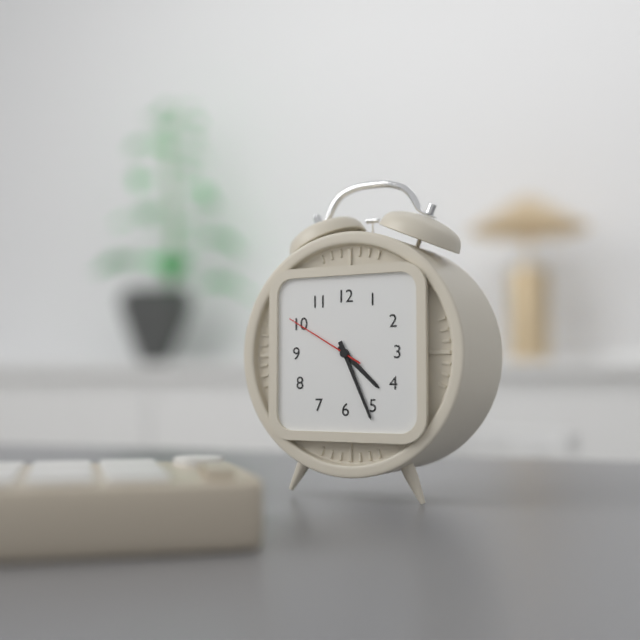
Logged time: 4.26.50
